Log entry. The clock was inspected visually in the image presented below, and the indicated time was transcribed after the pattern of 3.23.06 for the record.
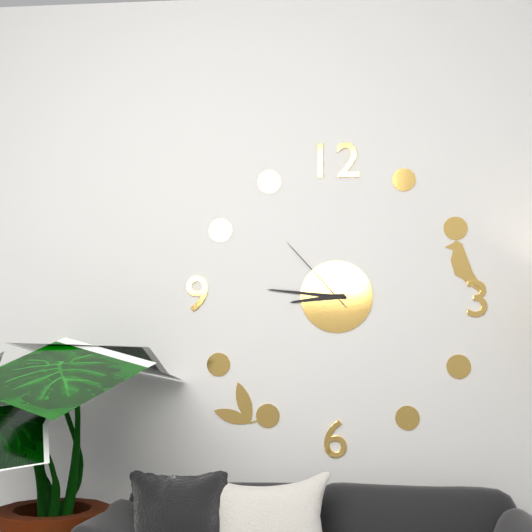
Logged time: 8.46.53
